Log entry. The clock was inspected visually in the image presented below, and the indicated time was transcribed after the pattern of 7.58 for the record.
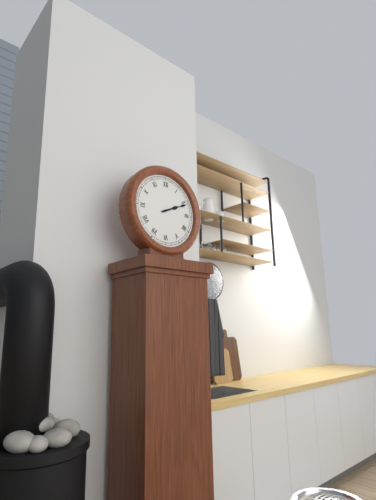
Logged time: 2.11
